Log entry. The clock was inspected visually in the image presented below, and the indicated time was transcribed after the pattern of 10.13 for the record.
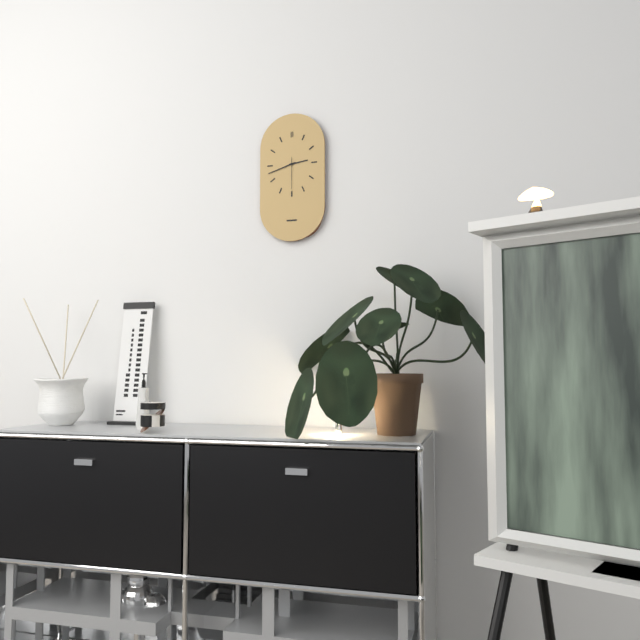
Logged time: 2.42
